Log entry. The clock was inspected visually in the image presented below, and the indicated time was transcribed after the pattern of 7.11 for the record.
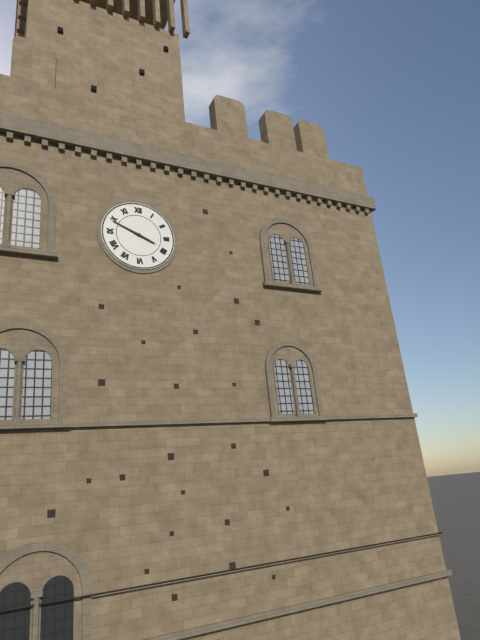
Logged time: 3.49
